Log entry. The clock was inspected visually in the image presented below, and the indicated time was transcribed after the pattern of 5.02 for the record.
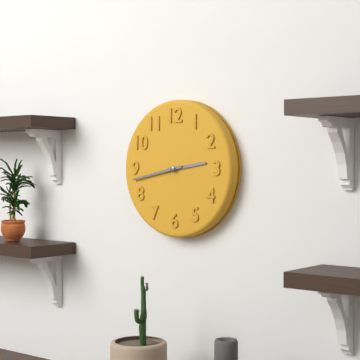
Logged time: 2.43
